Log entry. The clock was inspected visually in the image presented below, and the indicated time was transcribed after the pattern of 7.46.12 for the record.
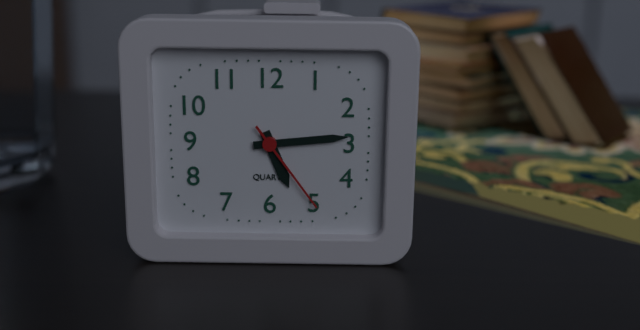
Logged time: 5.14.24
